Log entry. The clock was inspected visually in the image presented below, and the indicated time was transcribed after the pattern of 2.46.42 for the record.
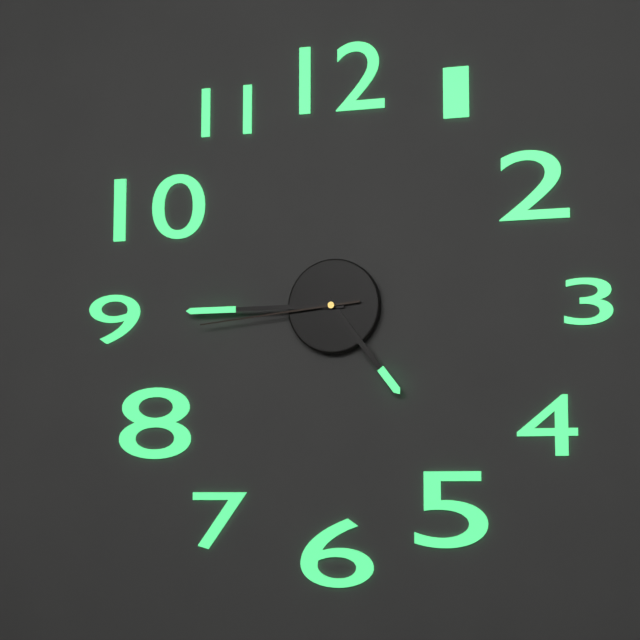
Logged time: 4.45.44
